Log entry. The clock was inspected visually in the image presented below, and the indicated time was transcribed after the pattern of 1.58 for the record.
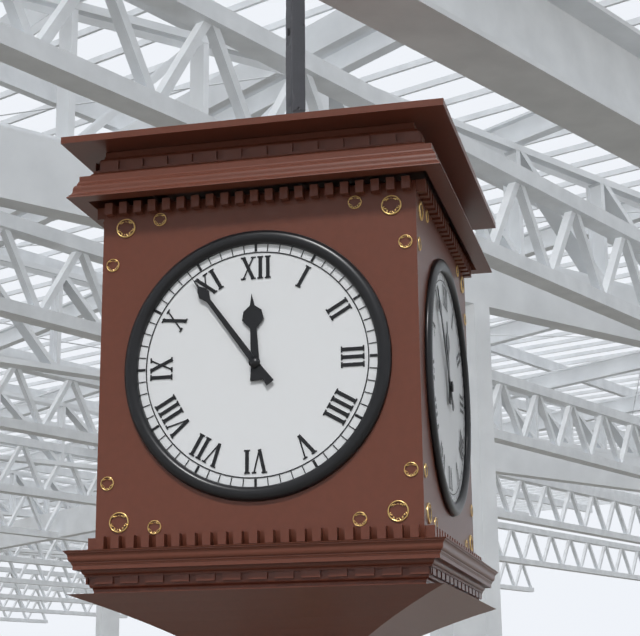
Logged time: 11.54
